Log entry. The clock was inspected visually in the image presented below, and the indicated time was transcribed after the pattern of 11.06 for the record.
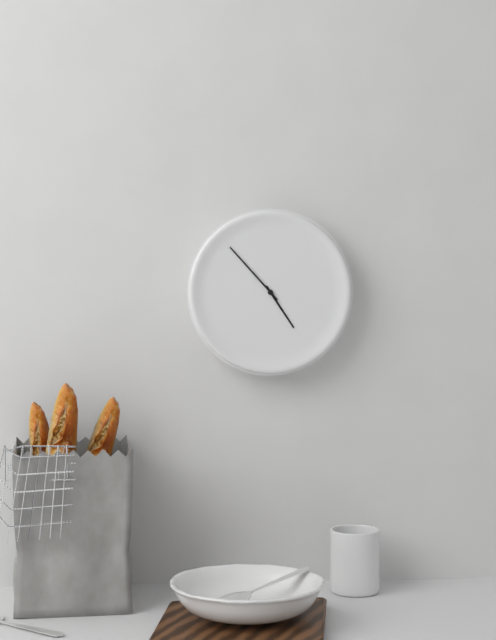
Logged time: 4.53
